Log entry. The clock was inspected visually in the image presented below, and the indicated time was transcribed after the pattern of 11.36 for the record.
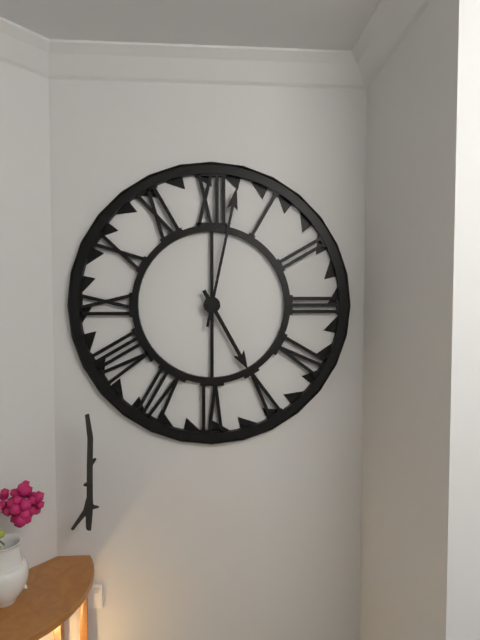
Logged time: 5.02
